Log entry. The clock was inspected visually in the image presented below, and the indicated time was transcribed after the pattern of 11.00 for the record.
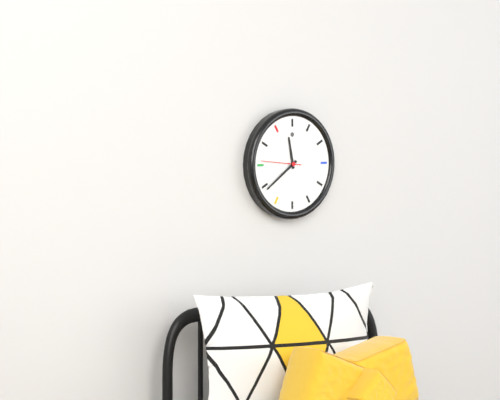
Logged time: 11.39
